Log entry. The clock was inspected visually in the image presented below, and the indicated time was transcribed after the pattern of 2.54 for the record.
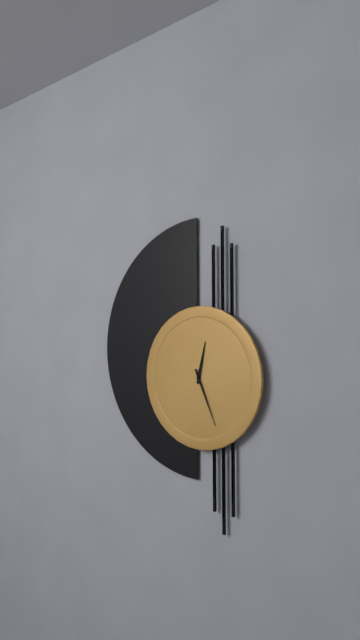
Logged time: 12.26
